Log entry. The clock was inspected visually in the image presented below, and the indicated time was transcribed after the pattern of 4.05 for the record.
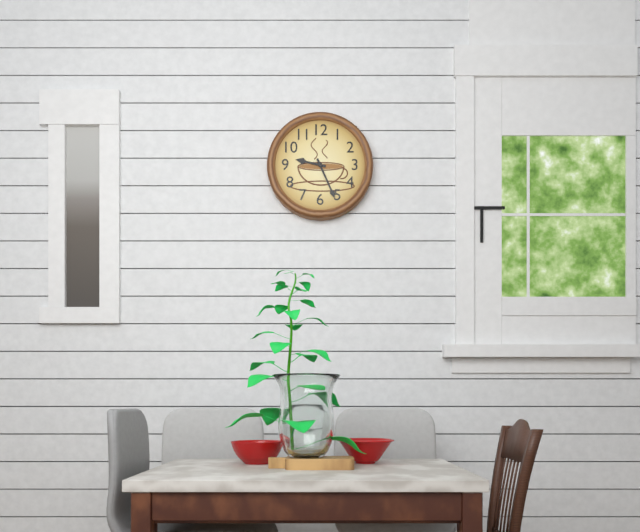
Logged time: 9.26
